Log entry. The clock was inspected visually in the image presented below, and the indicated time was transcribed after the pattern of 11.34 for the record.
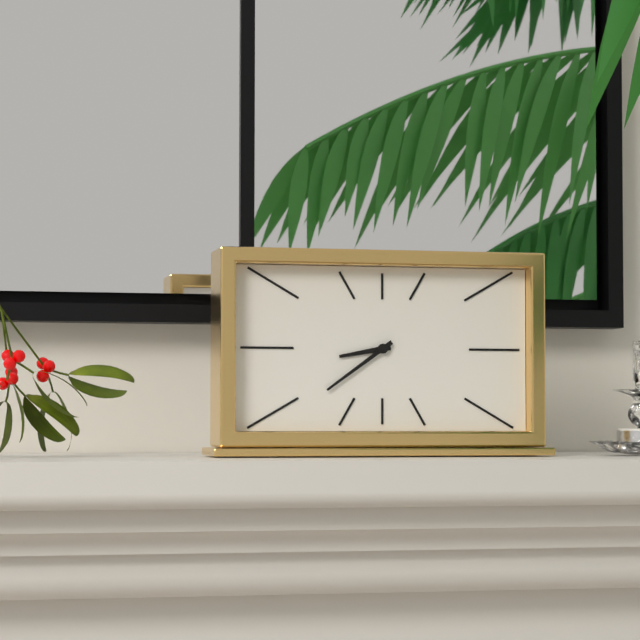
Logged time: 8.39
